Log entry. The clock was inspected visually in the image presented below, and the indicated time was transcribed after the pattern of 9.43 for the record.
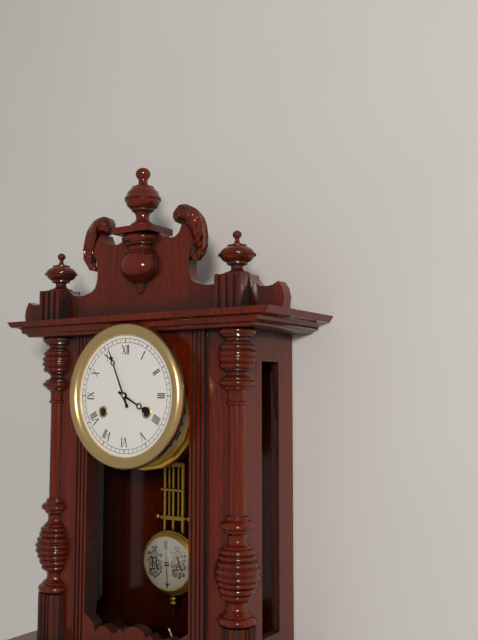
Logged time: 3.56
